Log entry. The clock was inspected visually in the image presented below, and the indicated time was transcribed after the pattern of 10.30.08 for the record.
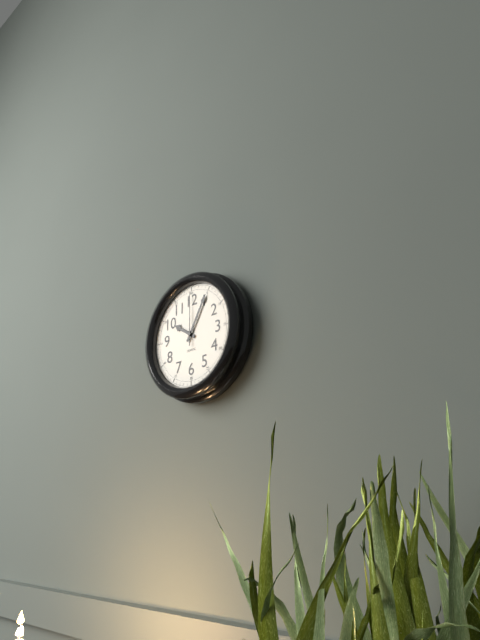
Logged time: 10.05.00
